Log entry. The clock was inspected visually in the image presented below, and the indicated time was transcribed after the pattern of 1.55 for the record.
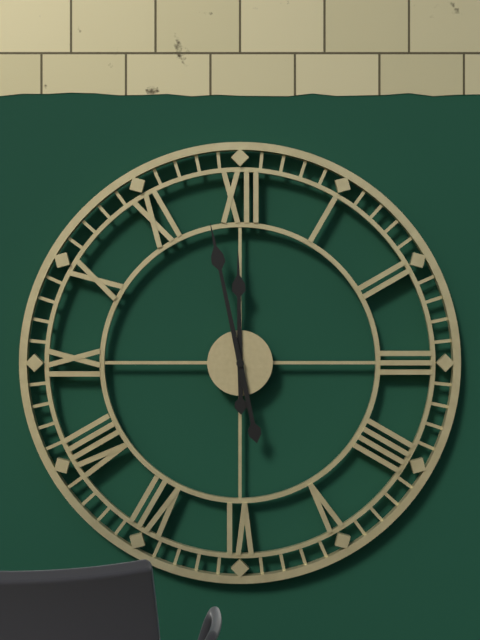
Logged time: 11.58
